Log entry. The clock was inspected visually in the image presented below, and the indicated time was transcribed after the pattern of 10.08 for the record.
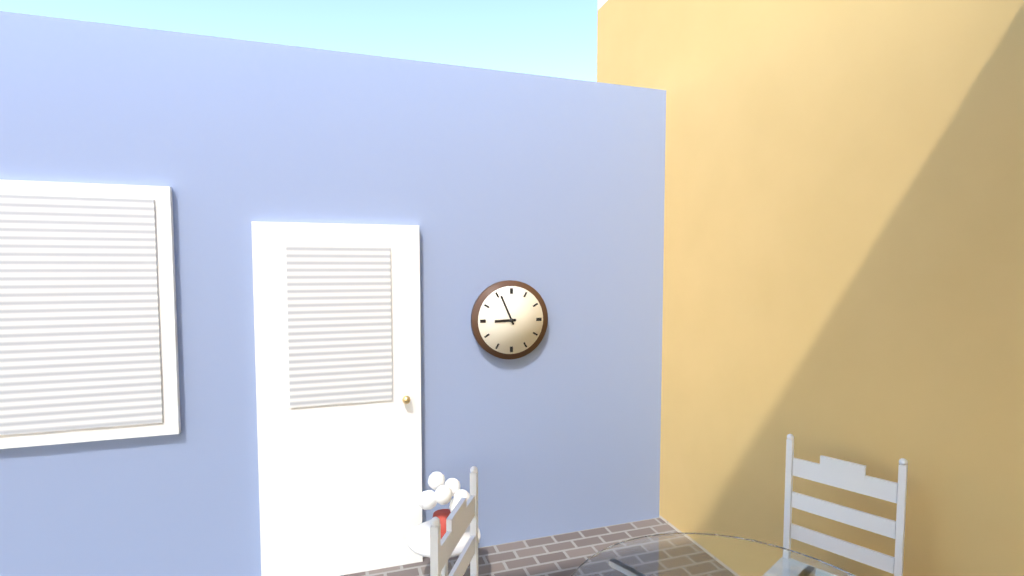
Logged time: 8.56
